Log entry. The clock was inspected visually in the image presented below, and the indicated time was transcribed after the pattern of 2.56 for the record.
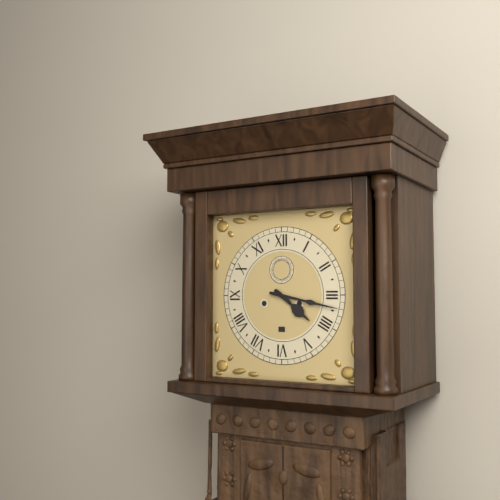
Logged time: 4.17
